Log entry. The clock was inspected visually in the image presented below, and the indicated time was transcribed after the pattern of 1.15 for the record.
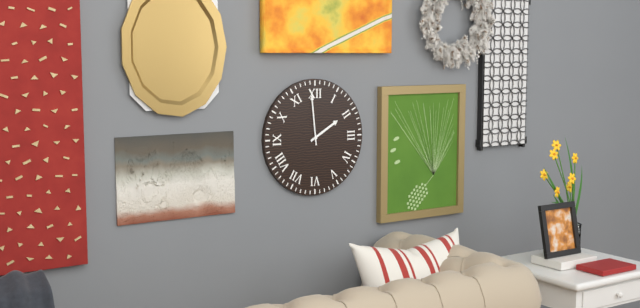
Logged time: 1.59
